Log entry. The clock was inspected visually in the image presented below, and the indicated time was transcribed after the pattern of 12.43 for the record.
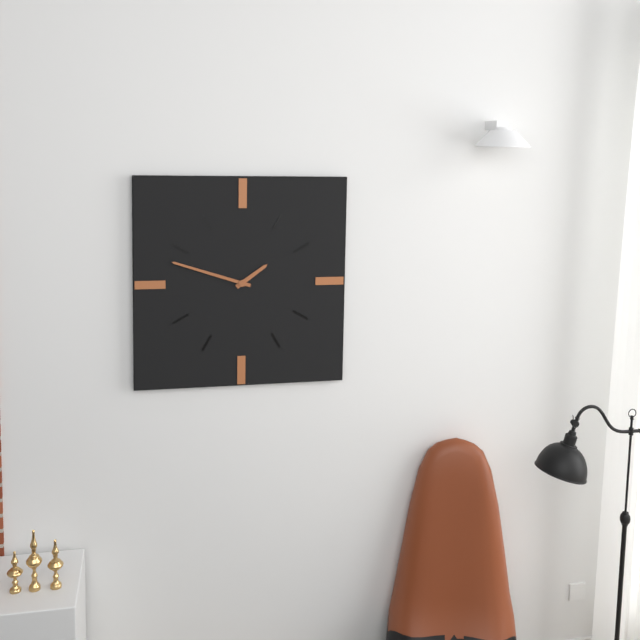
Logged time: 1.48
